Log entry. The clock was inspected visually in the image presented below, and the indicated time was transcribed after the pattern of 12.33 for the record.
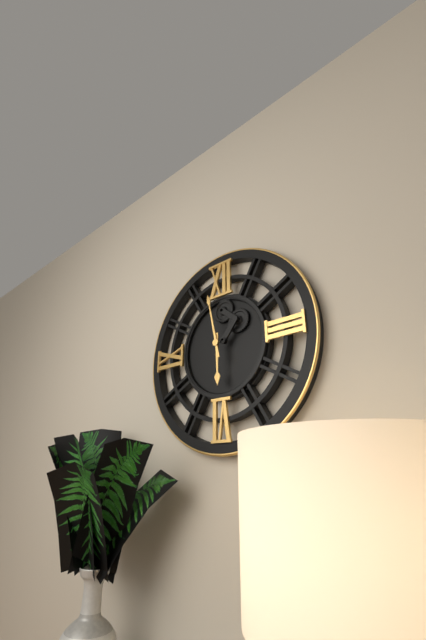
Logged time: 5.58
